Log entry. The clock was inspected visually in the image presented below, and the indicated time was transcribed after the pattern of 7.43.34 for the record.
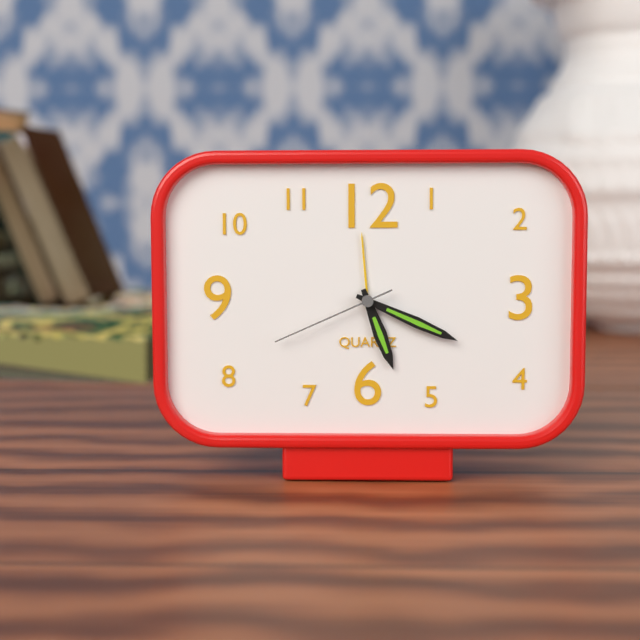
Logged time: 5.19.41
